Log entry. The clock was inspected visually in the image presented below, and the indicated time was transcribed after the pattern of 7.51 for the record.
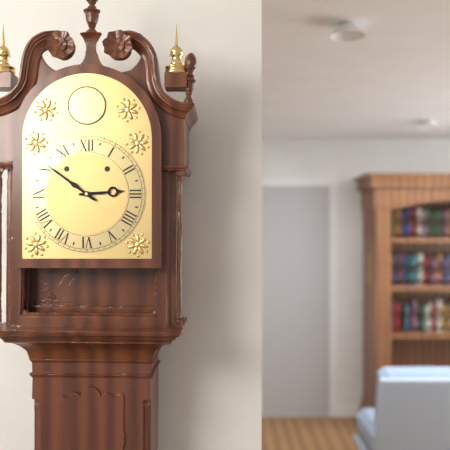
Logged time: 2.51
